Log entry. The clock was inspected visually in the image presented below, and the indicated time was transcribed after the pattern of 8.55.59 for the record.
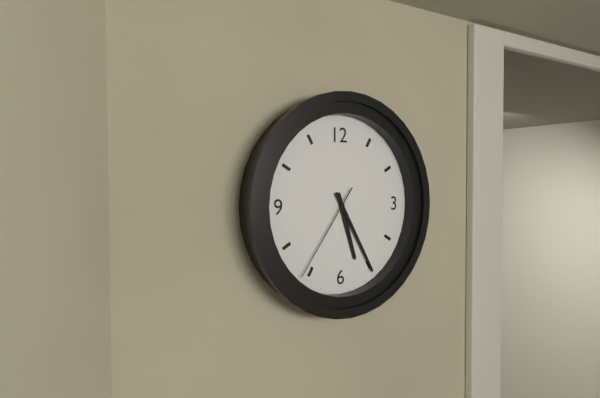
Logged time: 5.25.36
